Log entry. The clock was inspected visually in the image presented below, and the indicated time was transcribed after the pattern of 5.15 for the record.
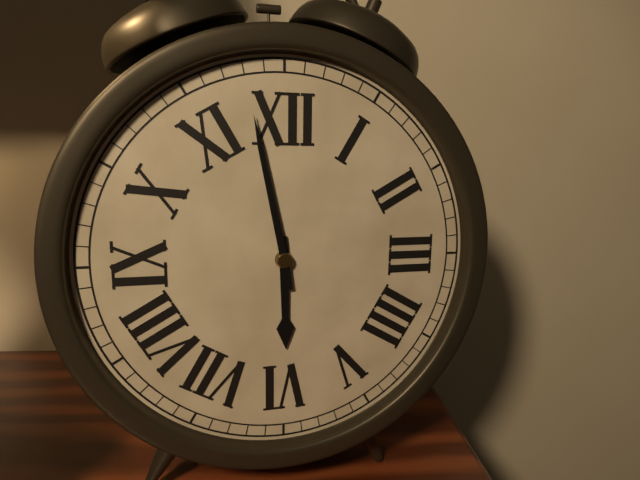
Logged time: 5.58
